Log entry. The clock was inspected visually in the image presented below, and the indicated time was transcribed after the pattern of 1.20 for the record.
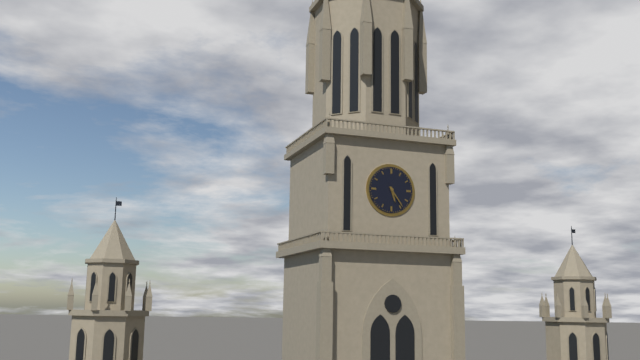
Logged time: 5.24
